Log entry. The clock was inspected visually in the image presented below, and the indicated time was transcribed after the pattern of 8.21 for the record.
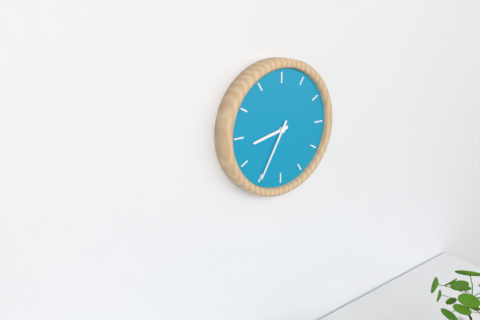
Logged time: 8.35
